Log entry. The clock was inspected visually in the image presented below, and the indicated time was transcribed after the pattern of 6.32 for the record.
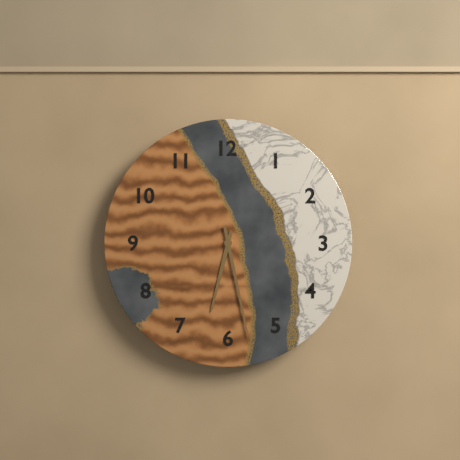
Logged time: 6.28
